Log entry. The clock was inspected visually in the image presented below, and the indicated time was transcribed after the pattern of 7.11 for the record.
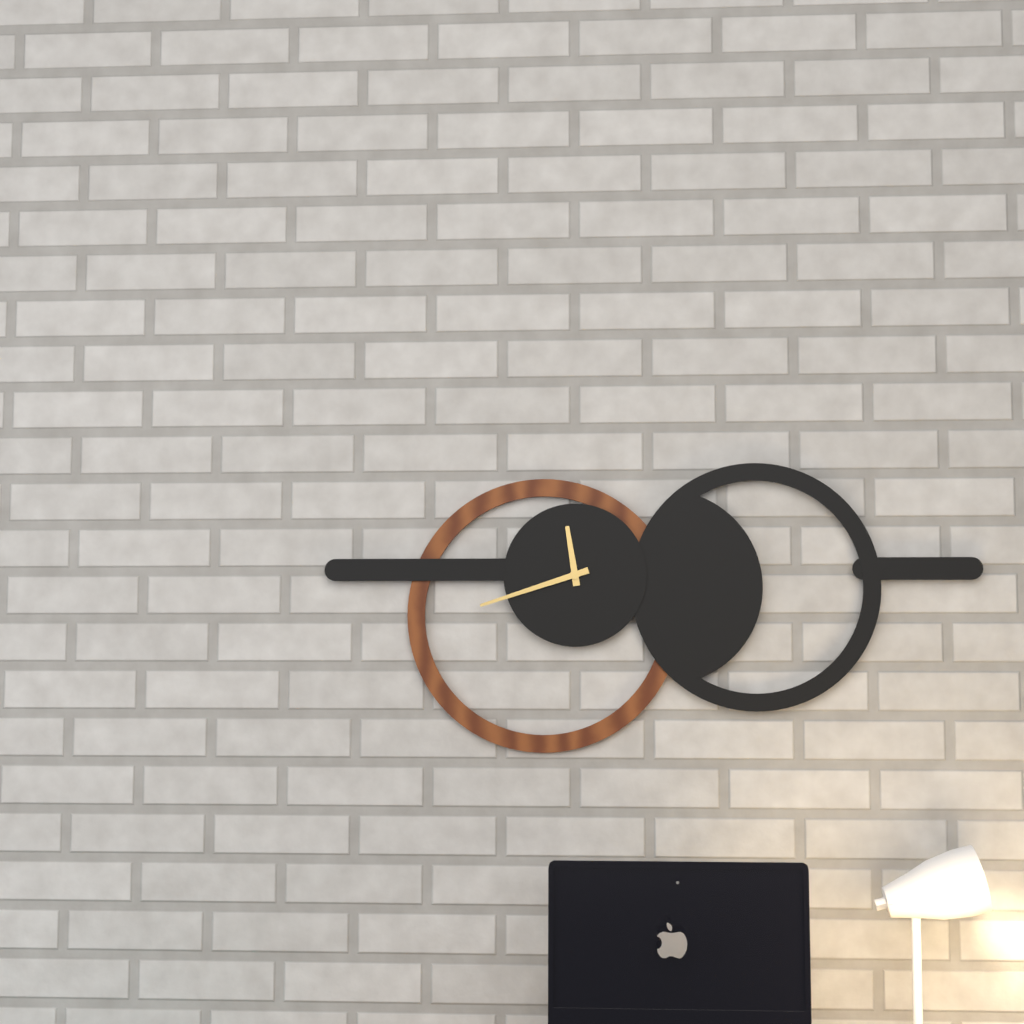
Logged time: 11.42
